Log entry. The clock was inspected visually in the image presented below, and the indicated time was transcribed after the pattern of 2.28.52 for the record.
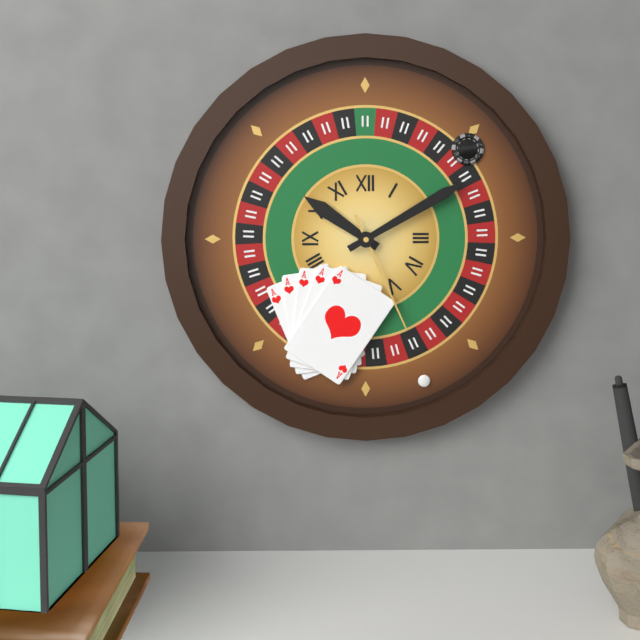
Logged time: 10.10.26
